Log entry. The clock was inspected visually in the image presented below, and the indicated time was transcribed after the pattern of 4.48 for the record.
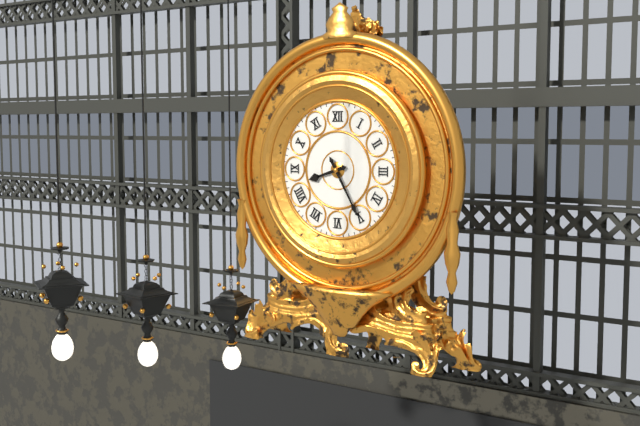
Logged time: 8.25
